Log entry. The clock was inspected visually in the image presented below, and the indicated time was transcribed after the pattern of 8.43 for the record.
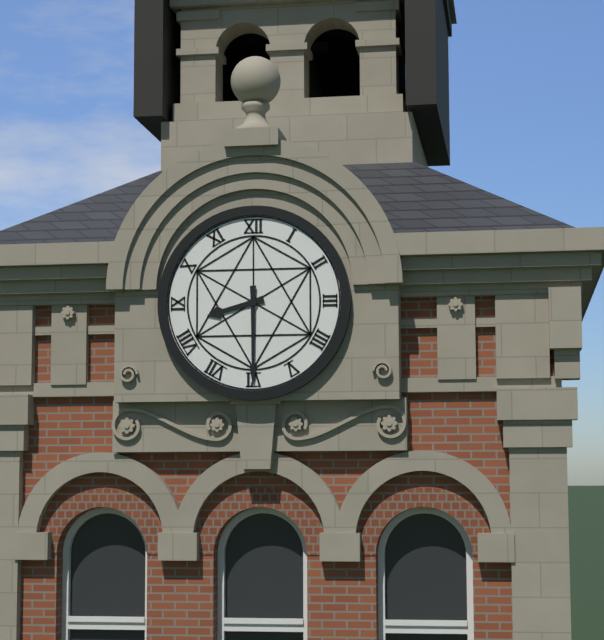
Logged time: 8.30
